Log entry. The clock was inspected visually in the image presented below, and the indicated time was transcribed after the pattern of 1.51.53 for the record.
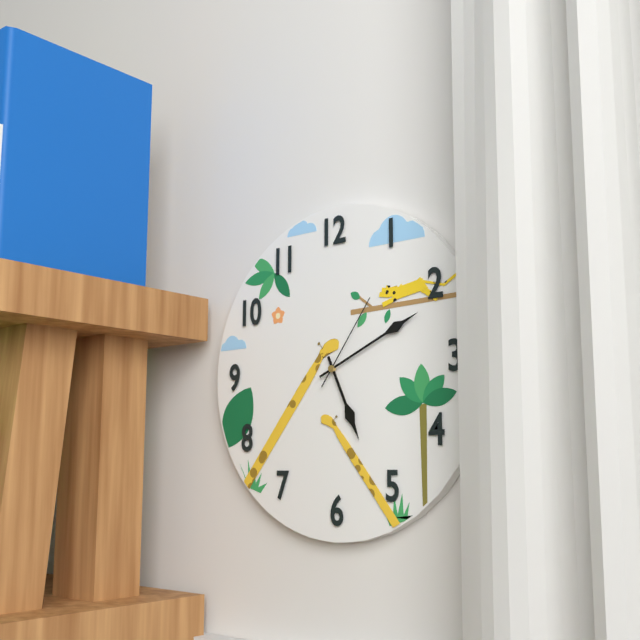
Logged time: 5.11.06
